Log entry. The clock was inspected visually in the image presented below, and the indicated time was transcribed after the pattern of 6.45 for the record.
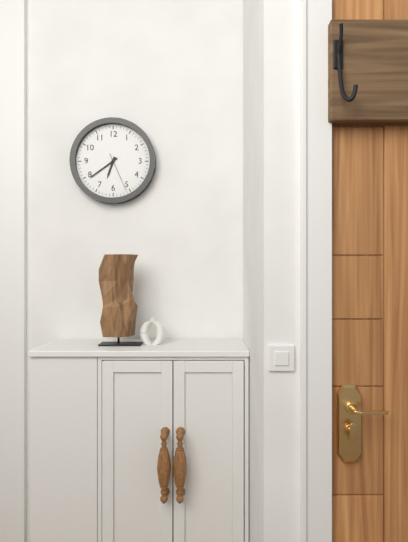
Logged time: 6.39
